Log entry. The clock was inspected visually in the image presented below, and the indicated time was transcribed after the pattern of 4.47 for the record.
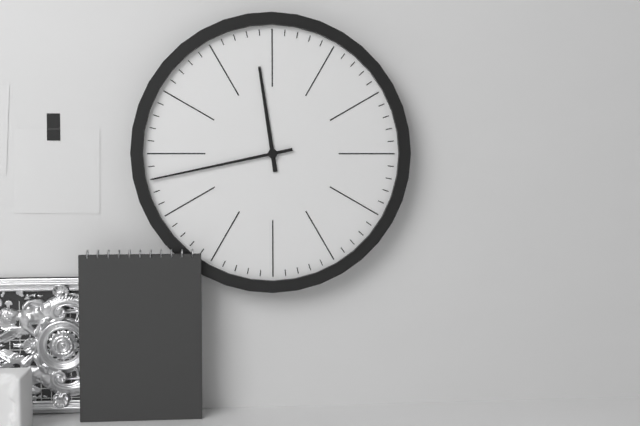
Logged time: 11.43
